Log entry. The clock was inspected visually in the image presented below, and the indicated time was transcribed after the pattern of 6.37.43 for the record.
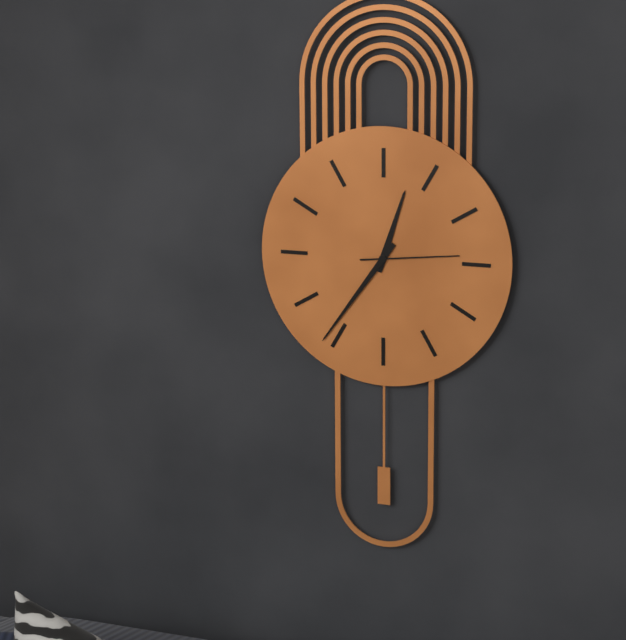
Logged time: 12.36.14
